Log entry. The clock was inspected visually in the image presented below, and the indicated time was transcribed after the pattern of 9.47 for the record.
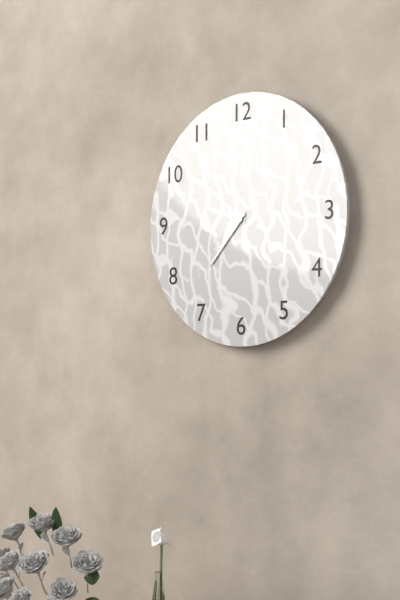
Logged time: 9.37
